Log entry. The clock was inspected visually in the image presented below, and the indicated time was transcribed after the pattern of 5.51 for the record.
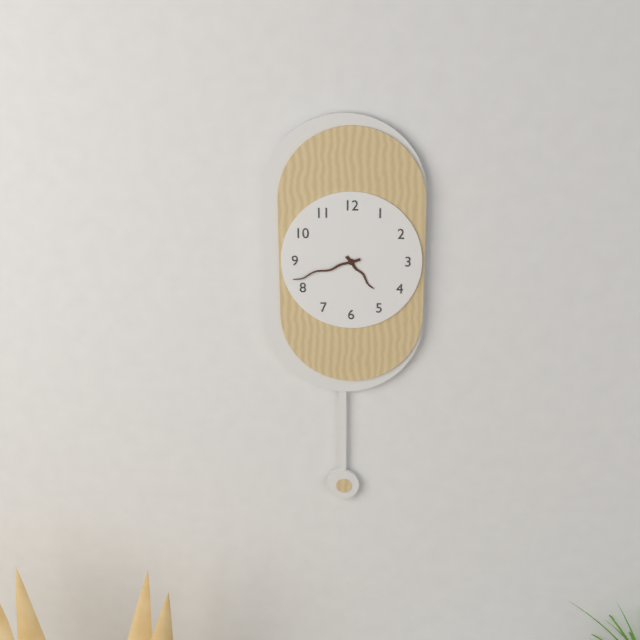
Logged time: 4.42
